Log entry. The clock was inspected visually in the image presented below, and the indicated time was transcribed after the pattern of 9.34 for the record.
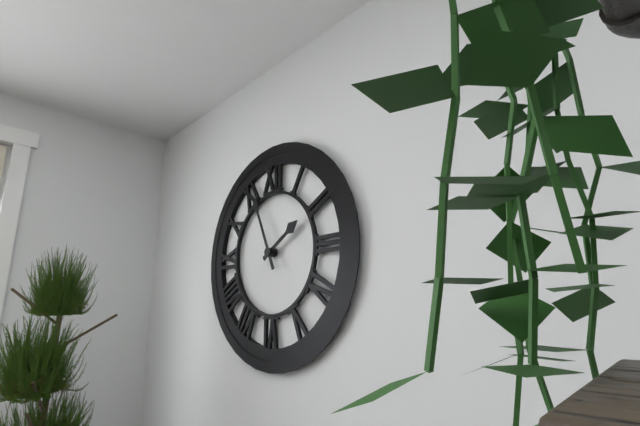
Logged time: 1.56
